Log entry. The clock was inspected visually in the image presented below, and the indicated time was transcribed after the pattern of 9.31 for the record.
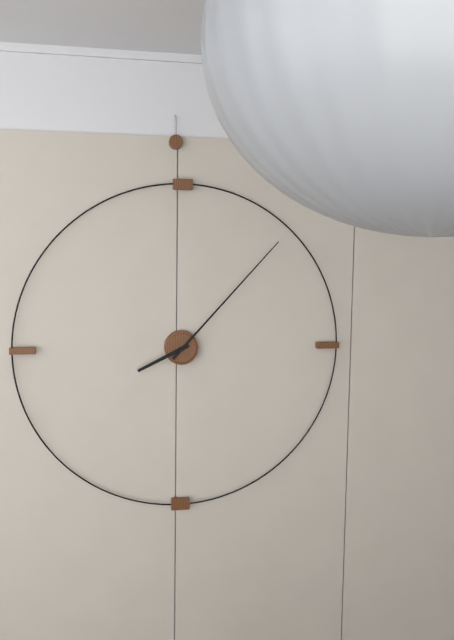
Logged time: 8.07
